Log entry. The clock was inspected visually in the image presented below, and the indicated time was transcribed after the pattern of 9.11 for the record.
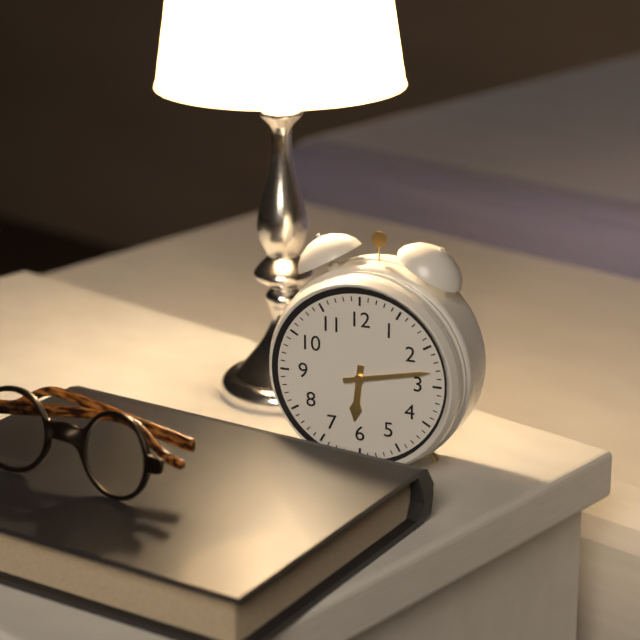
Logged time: 6.13
